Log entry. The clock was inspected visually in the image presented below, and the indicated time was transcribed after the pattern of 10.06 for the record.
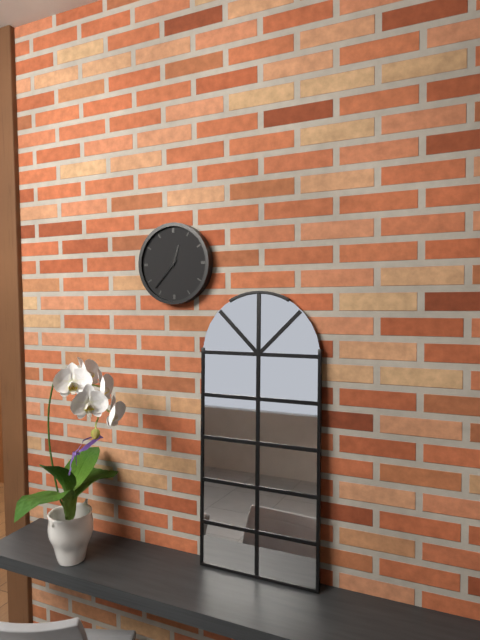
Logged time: 12.37
